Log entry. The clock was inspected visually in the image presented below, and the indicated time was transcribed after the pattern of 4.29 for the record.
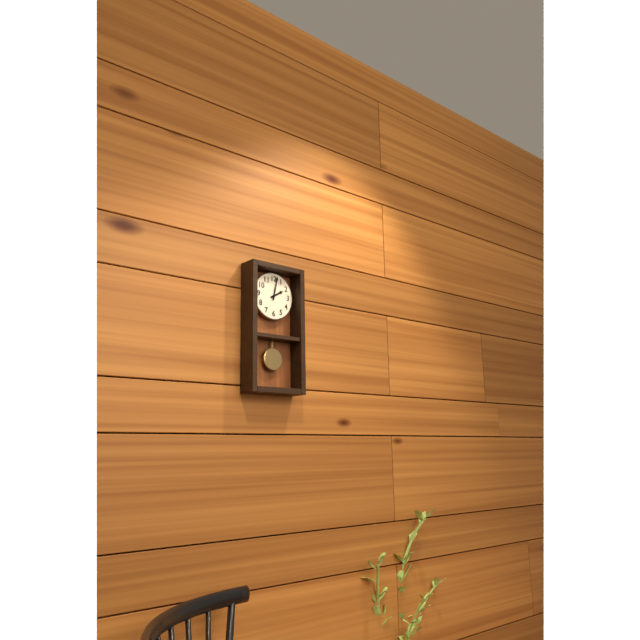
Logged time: 2.02
